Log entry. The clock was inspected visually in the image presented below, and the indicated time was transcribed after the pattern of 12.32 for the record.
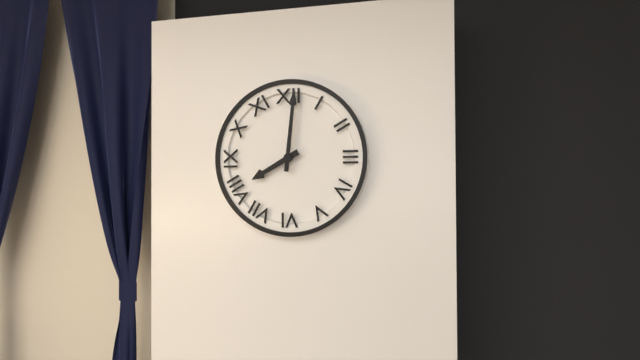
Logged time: 8.01
